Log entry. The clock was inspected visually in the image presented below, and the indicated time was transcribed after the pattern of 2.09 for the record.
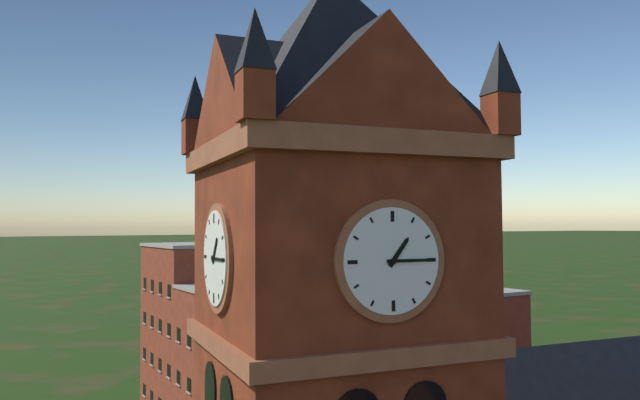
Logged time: 1.15
